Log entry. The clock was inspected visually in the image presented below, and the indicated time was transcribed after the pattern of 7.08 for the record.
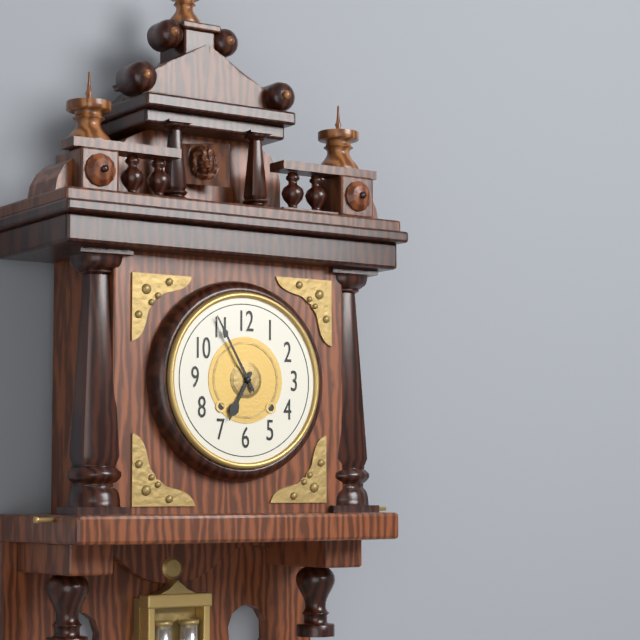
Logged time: 6.55
